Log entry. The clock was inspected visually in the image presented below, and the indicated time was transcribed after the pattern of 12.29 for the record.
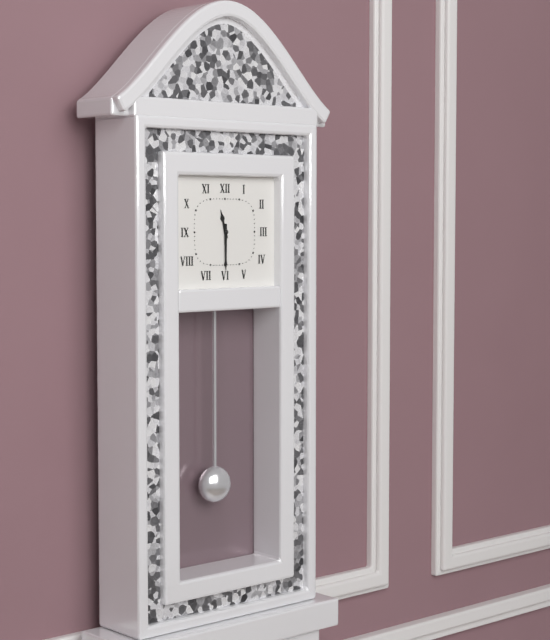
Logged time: 11.30
